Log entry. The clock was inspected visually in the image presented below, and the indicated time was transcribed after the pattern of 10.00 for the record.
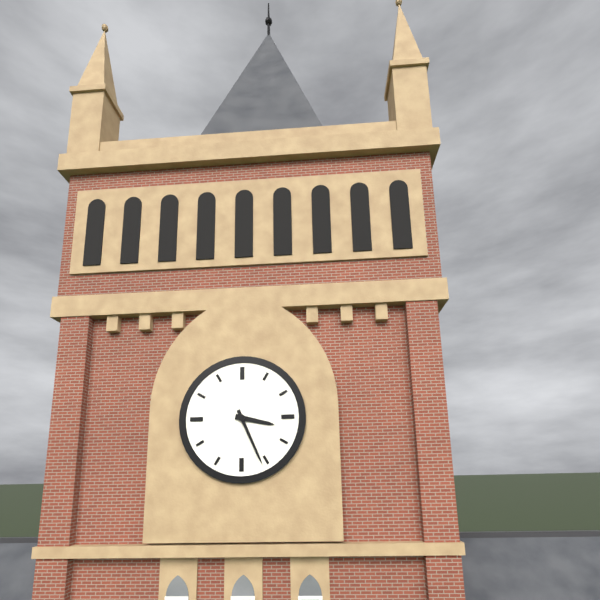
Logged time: 3.26
